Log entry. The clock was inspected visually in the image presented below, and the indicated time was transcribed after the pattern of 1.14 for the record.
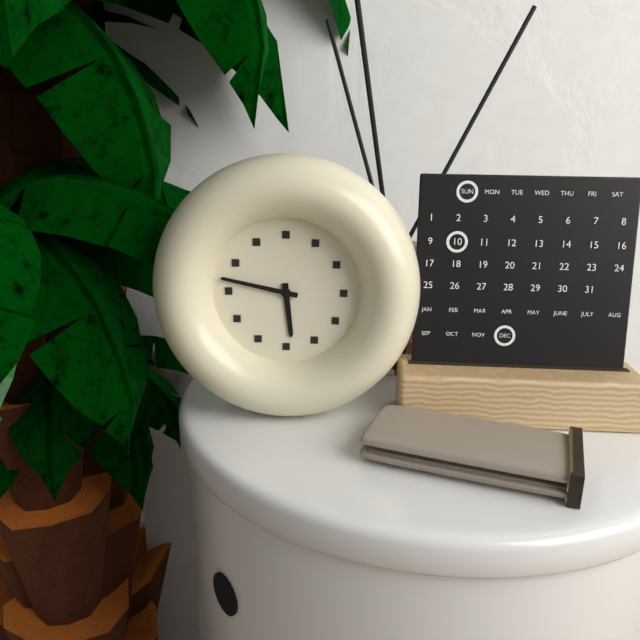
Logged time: 5.47
